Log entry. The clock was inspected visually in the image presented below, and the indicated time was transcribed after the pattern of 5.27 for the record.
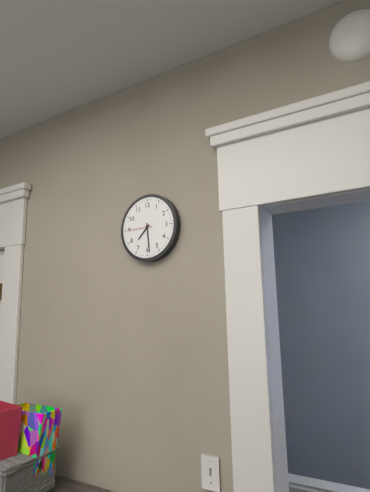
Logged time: 7.29
